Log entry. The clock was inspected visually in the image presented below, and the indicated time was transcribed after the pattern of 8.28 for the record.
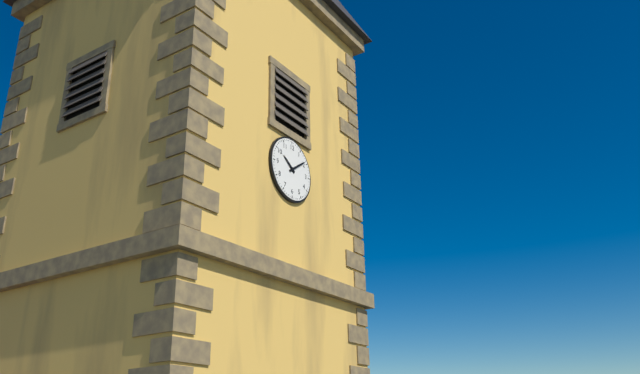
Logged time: 10.09
